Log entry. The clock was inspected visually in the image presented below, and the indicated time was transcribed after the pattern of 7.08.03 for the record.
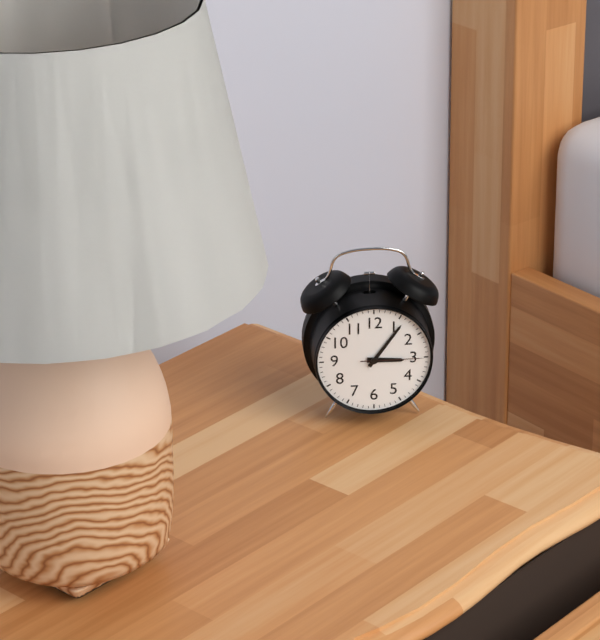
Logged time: 3.06.15
